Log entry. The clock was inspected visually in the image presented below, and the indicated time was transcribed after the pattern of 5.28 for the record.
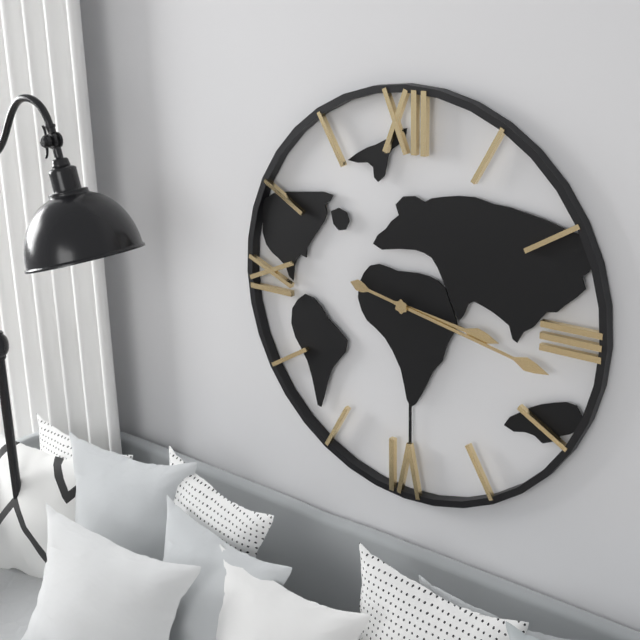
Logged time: 3.17
